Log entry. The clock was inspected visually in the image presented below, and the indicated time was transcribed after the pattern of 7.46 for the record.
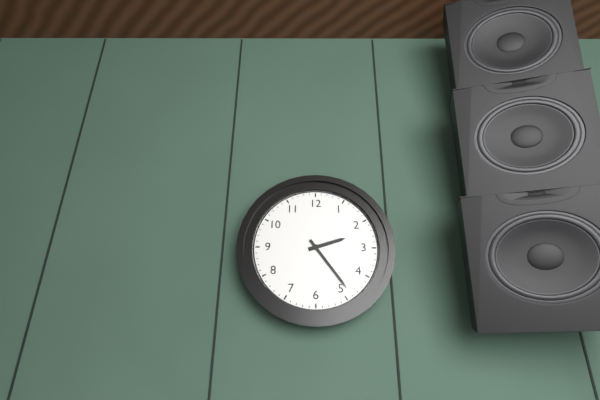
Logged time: 2.24
